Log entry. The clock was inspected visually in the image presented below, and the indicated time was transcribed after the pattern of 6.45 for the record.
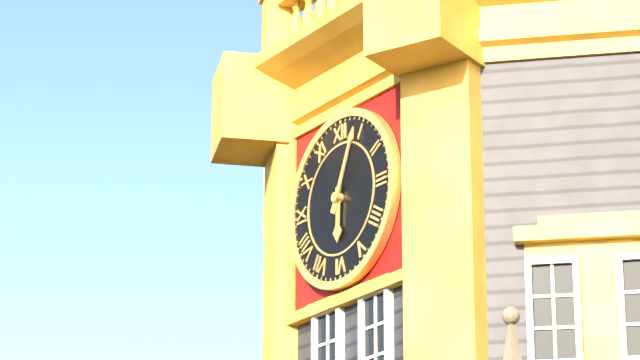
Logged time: 6.04
